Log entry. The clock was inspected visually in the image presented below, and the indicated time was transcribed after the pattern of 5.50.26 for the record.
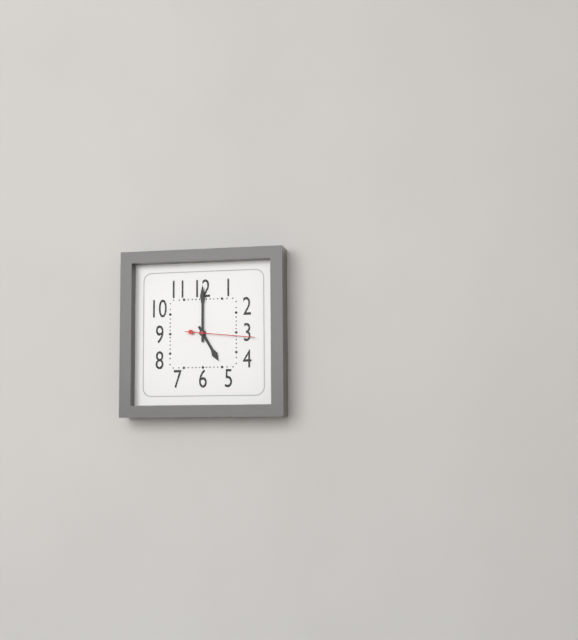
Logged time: 5.00.16
